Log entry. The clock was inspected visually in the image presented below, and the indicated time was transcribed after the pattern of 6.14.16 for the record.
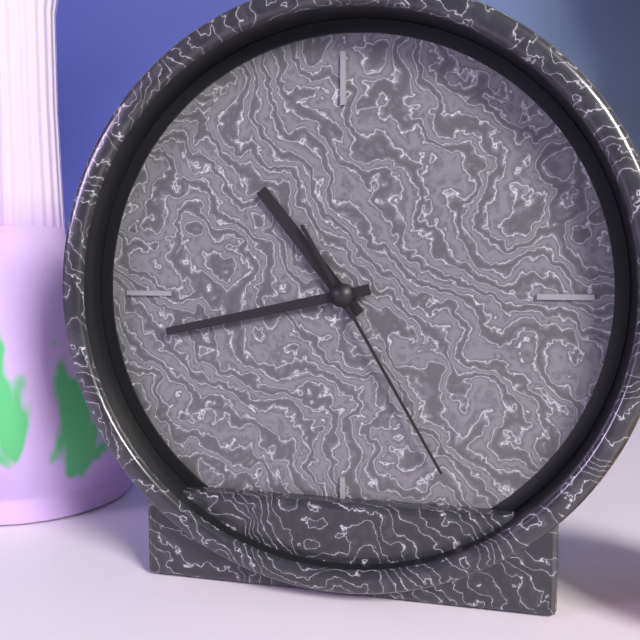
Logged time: 10.43.25
